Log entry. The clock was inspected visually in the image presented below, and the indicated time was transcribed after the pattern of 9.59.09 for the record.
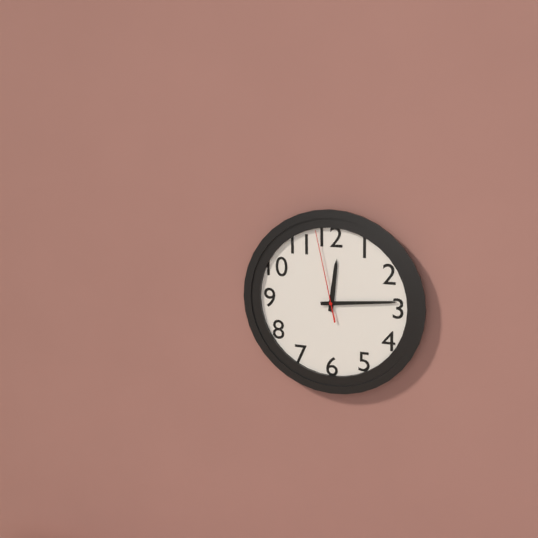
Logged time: 12.14.58
